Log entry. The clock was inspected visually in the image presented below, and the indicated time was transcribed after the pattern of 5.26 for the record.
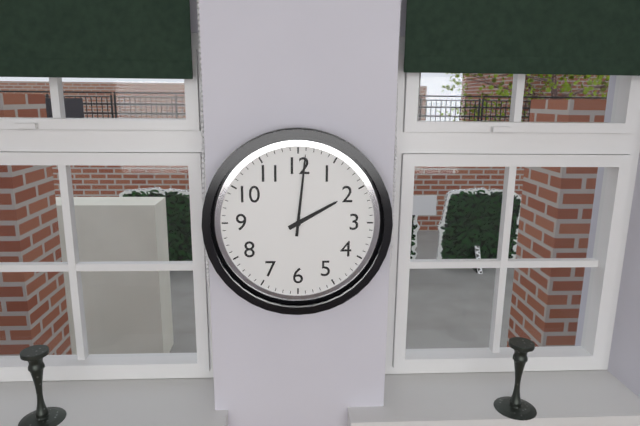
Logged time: 2.01
